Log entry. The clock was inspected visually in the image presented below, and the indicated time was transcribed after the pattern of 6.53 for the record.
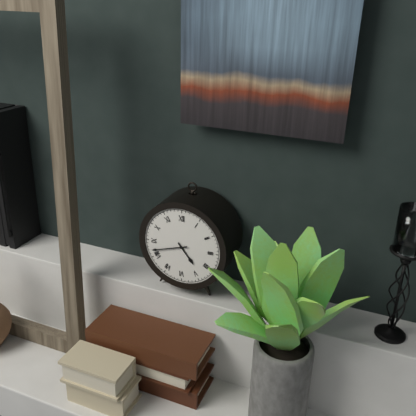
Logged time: 4.42
